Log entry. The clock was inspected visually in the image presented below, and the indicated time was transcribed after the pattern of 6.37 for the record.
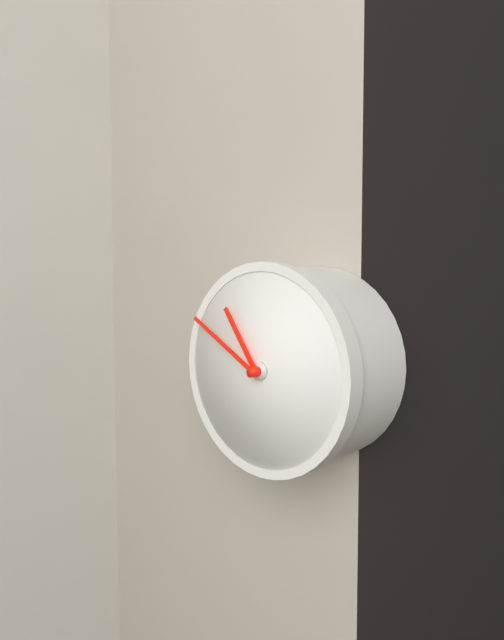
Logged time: 10.50
